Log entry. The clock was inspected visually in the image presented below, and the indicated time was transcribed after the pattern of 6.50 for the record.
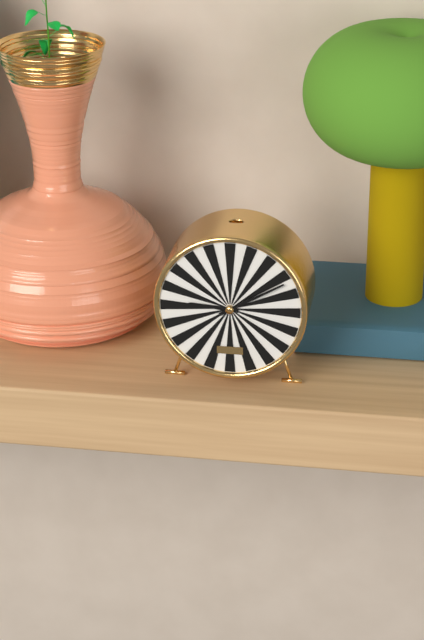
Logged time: 9.10
